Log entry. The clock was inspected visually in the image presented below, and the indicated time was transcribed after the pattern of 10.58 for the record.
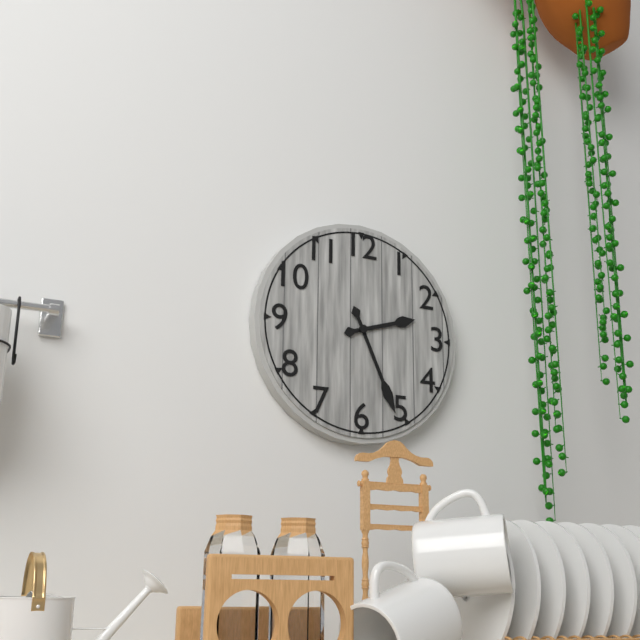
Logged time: 2.26
